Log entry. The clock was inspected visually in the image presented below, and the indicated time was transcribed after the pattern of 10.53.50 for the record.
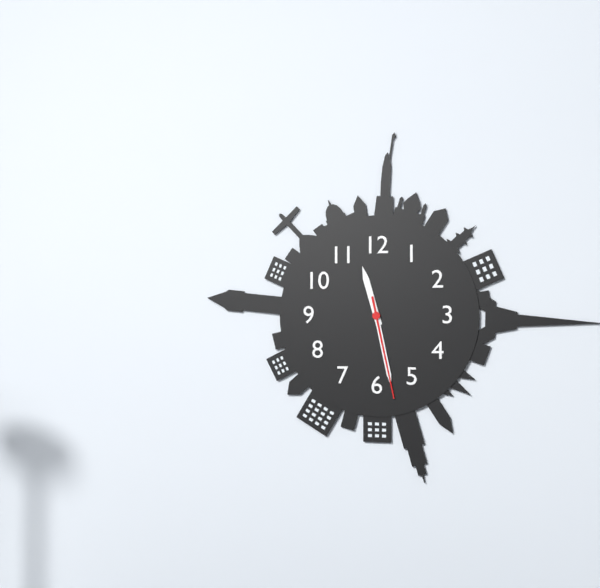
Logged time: 11.28.28
